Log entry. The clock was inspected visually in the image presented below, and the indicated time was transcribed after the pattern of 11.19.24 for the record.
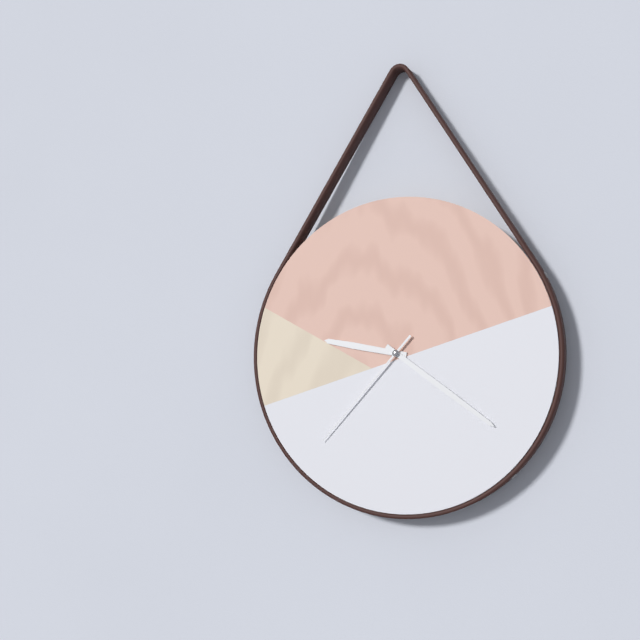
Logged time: 9.21.37
